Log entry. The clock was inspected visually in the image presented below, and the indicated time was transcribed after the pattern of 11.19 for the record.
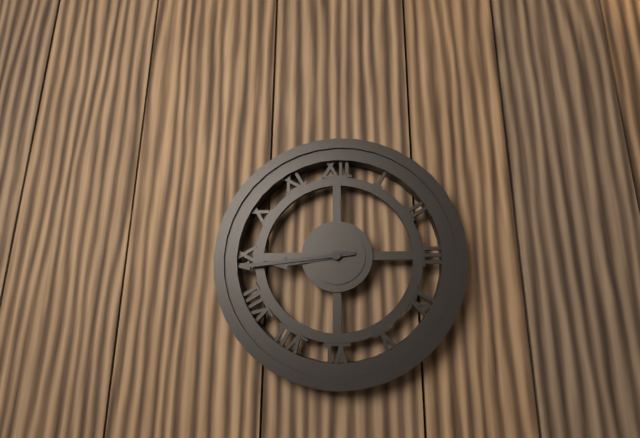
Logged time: 8.44
